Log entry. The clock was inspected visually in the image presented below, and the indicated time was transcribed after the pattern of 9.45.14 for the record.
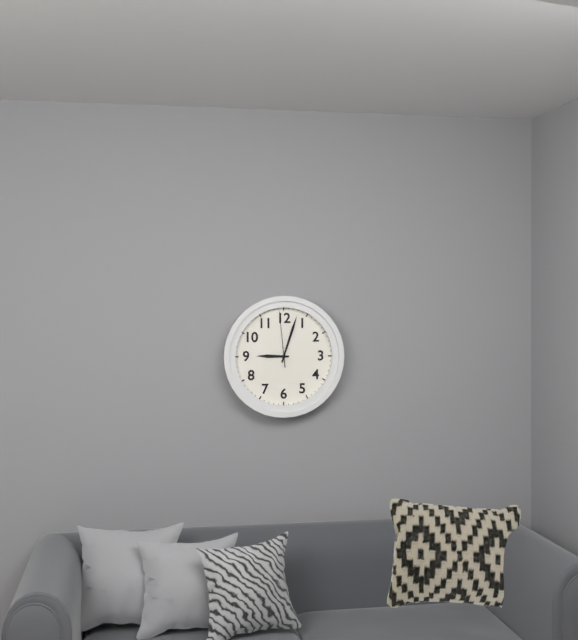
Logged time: 9.03.59
